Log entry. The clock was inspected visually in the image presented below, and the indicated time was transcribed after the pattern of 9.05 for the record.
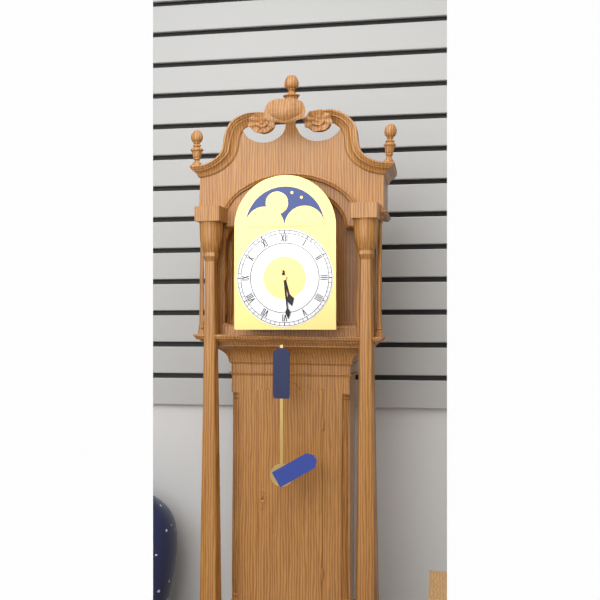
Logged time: 5.29
